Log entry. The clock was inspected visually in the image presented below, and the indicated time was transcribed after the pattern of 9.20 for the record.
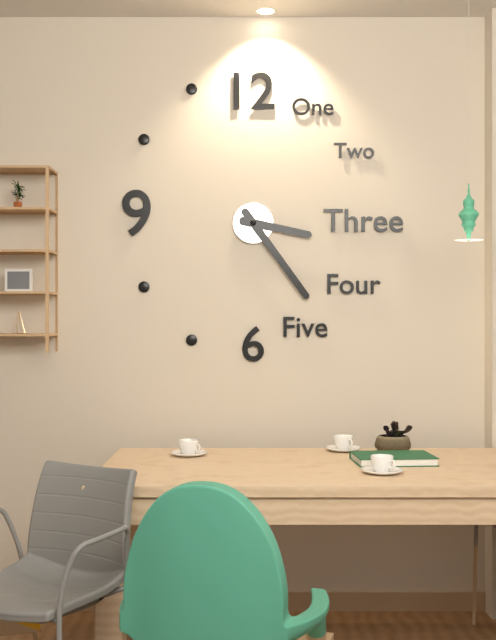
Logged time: 3.24
